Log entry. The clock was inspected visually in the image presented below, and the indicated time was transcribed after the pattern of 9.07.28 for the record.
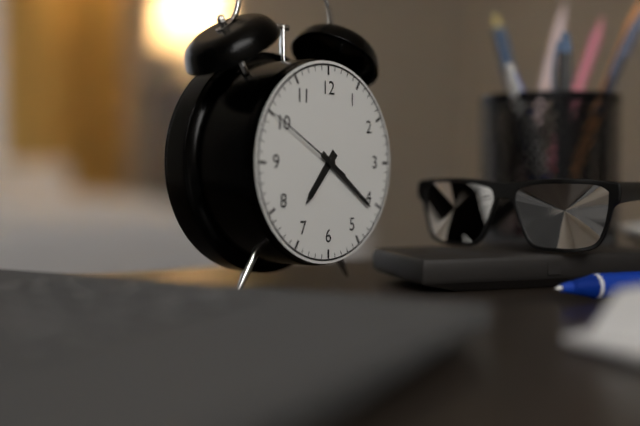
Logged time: 7.21.50
